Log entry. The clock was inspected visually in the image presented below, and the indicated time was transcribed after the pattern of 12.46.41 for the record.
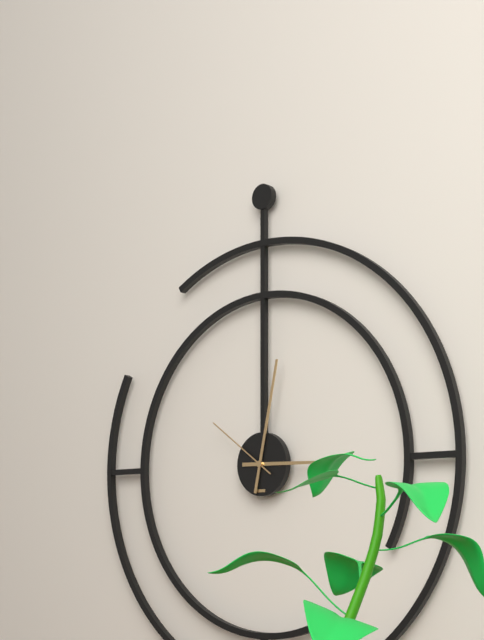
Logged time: 3.02.51
